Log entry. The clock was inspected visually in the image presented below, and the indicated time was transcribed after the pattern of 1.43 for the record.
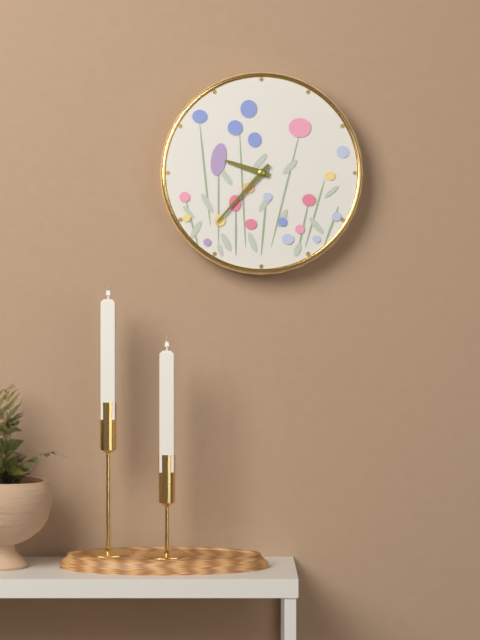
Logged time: 9.37
